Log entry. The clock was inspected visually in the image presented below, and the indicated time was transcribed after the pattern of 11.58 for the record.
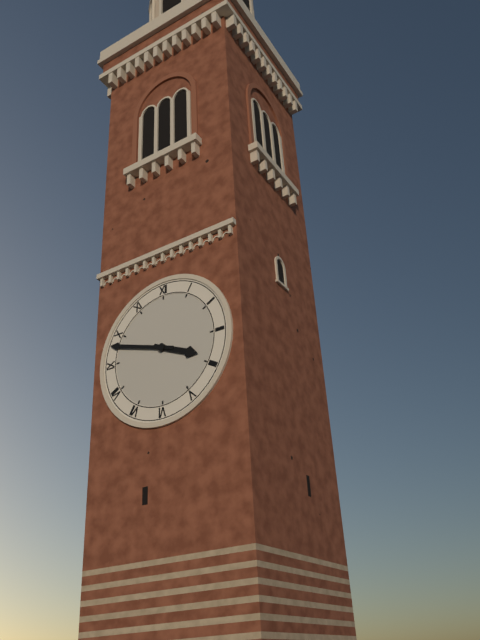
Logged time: 3.48
